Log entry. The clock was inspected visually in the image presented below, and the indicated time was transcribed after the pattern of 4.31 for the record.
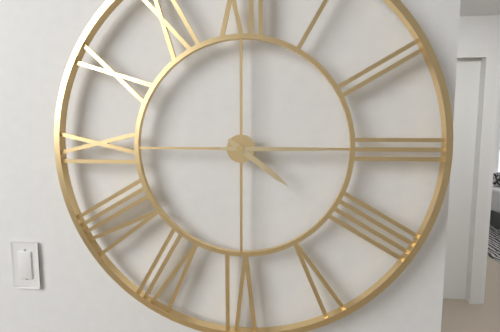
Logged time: 4.15
